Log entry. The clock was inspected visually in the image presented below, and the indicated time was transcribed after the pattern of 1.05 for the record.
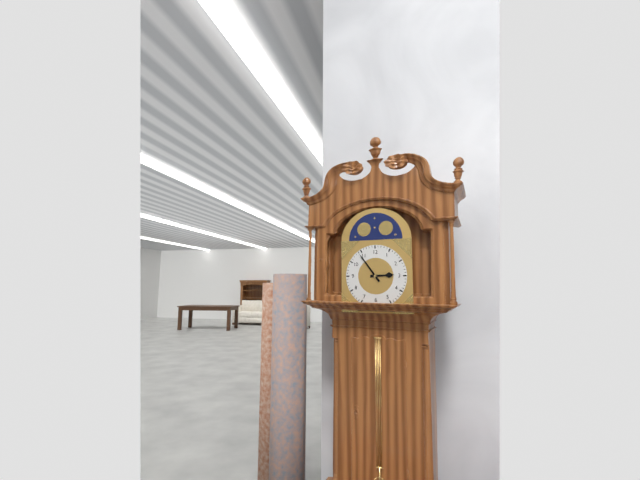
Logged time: 2.54
